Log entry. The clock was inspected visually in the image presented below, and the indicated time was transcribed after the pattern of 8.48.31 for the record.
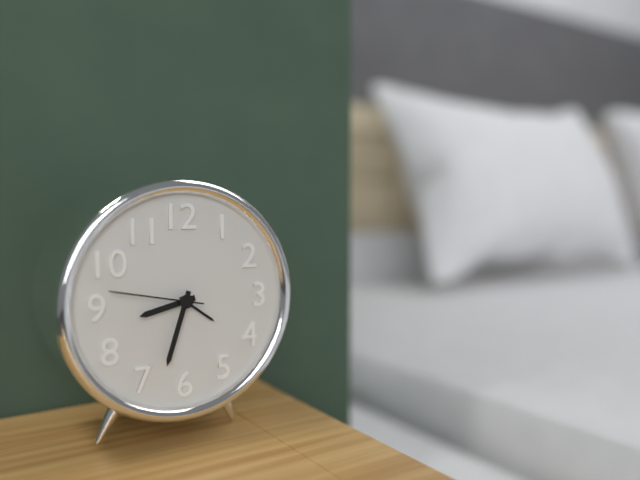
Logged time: 8.33.47
